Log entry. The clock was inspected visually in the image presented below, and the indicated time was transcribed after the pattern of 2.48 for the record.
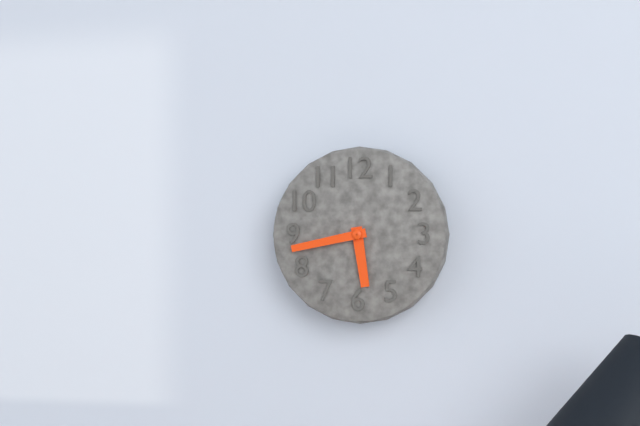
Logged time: 5.43
